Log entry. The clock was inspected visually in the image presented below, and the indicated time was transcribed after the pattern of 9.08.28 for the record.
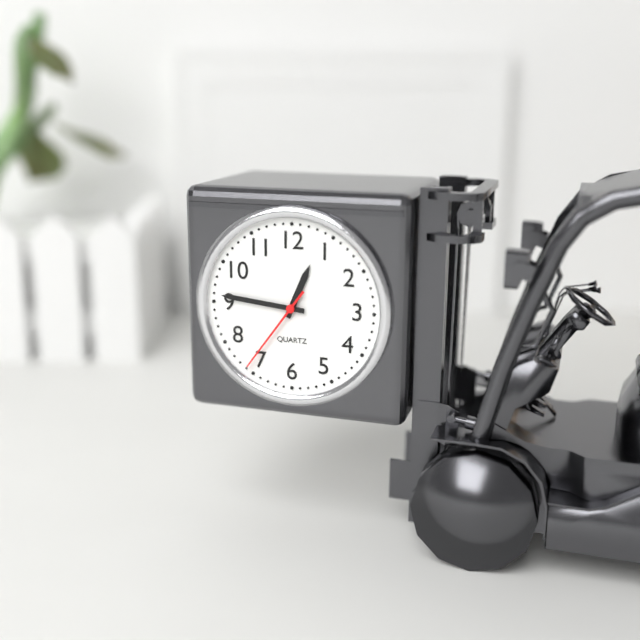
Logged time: 12.46.36
